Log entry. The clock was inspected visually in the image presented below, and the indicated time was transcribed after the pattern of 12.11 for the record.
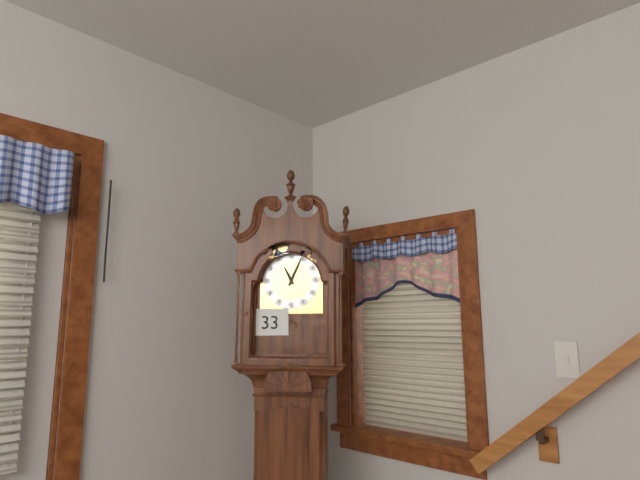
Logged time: 11.04
